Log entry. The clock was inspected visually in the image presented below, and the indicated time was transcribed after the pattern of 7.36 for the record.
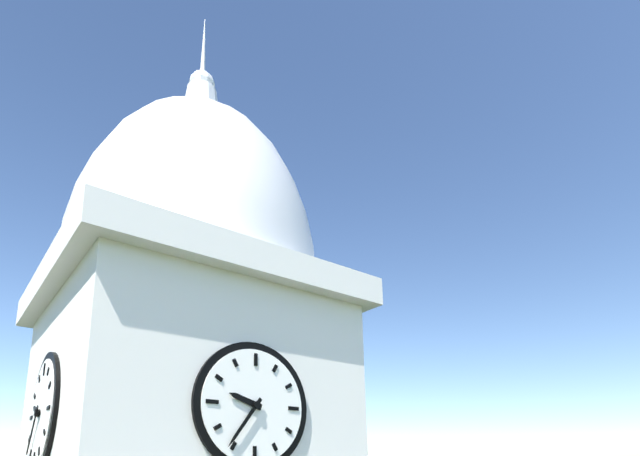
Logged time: 9.36
